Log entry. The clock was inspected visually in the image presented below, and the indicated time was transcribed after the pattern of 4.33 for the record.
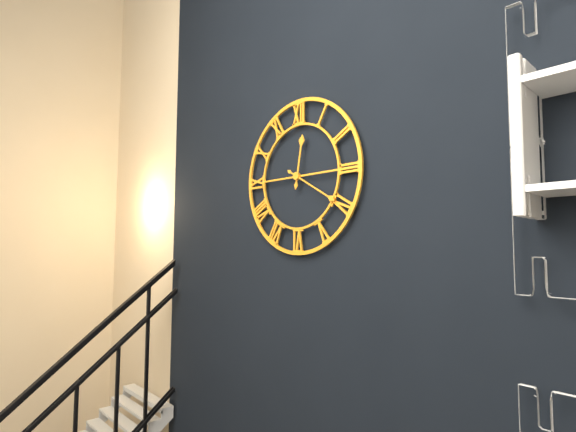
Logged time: 12.20
